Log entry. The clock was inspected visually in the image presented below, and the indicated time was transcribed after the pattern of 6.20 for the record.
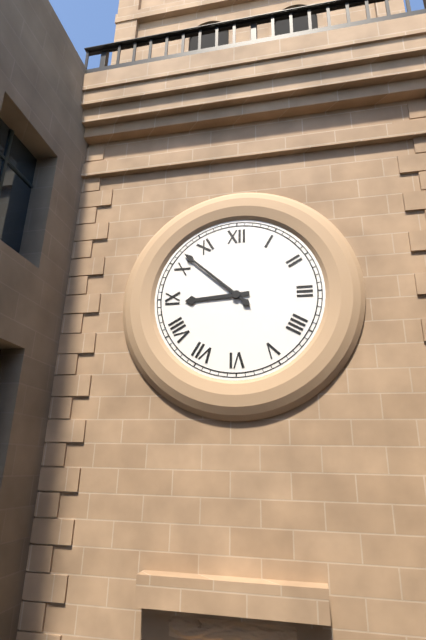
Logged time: 8.52
